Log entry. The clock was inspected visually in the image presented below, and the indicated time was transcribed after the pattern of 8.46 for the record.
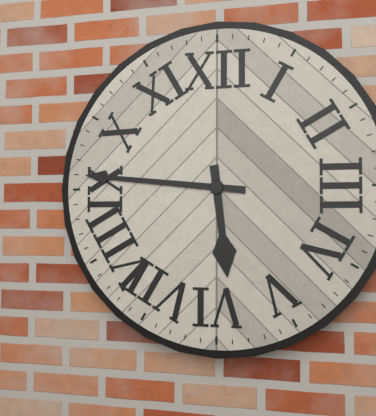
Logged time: 5.46
